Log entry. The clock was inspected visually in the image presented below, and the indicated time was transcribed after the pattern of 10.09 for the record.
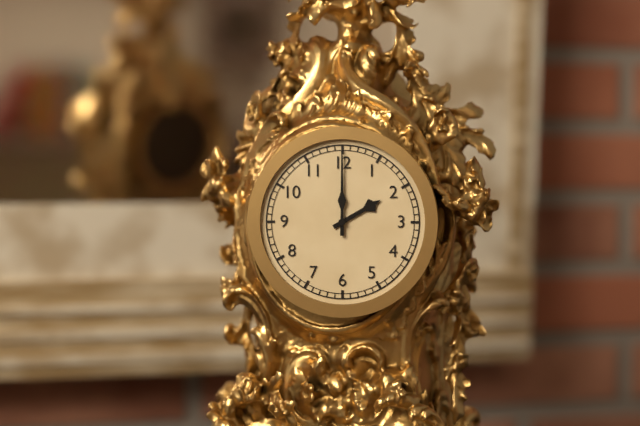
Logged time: 2.00
